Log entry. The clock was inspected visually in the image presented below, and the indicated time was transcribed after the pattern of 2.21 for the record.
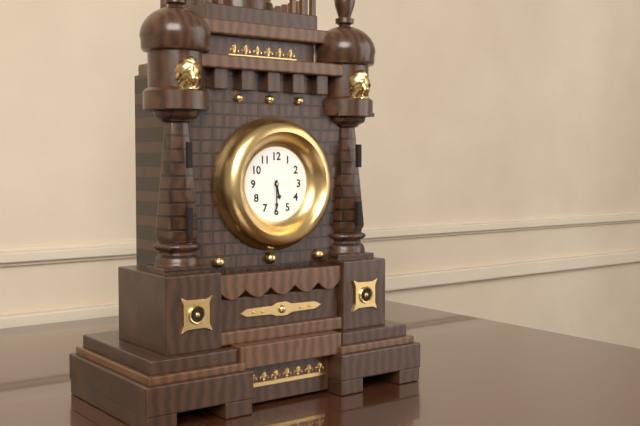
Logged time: 5.30
